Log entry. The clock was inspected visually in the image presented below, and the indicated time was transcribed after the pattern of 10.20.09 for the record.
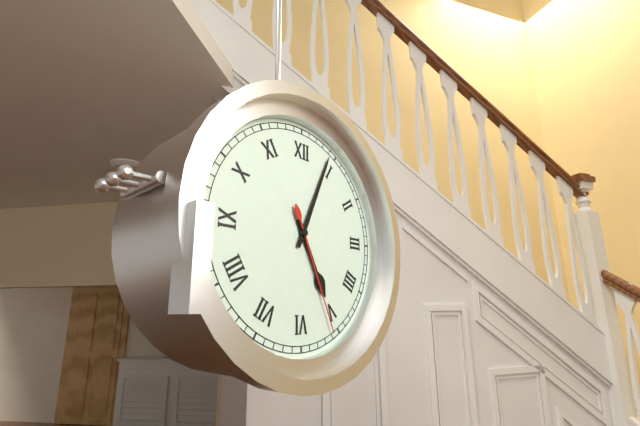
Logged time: 5.04.26
